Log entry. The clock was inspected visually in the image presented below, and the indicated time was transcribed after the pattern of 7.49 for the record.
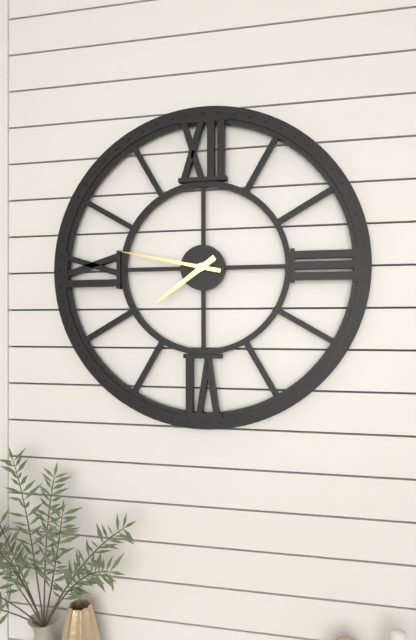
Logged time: 7.47
